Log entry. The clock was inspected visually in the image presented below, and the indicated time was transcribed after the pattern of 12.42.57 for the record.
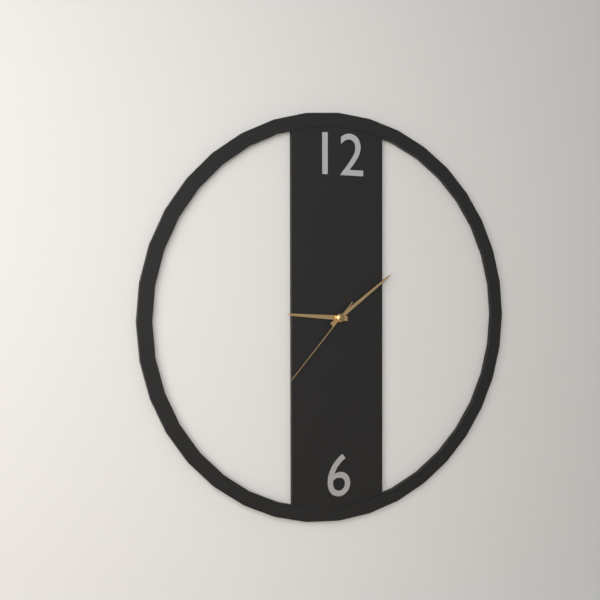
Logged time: 9.09.37
